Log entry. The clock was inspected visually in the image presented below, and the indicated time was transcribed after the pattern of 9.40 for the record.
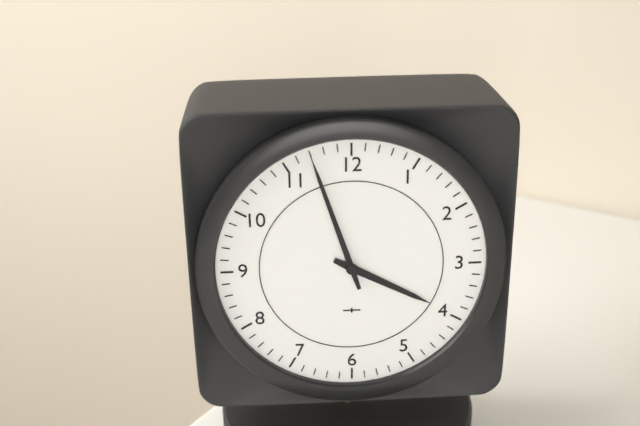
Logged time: 3.57
